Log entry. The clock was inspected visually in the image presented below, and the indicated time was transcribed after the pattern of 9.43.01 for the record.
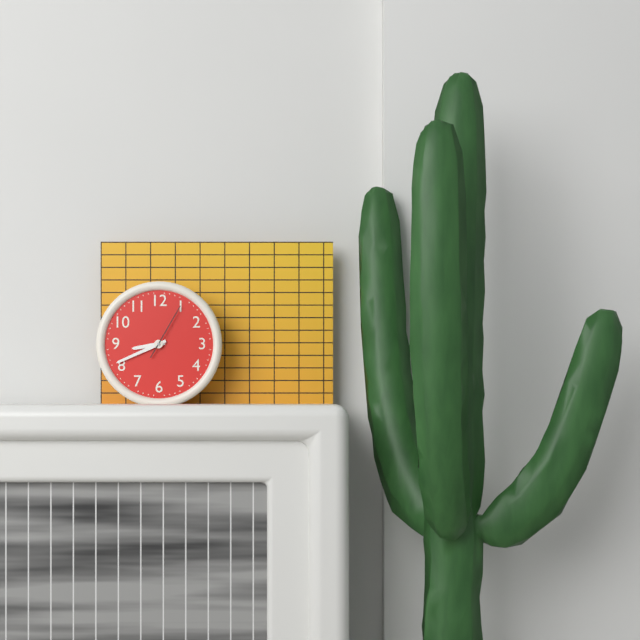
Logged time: 8.41.05
